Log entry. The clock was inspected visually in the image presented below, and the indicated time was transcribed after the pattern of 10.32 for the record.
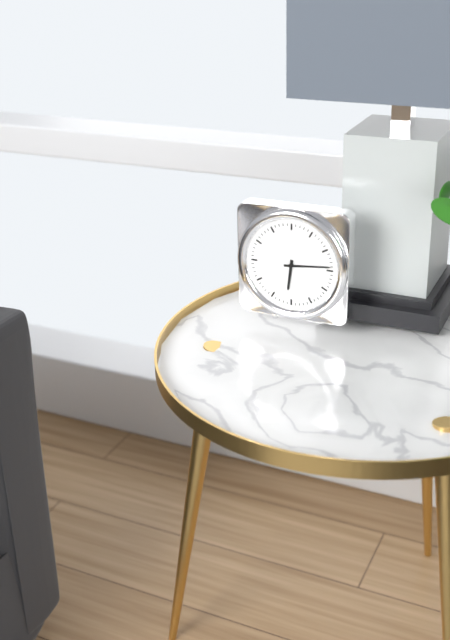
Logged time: 6.14
